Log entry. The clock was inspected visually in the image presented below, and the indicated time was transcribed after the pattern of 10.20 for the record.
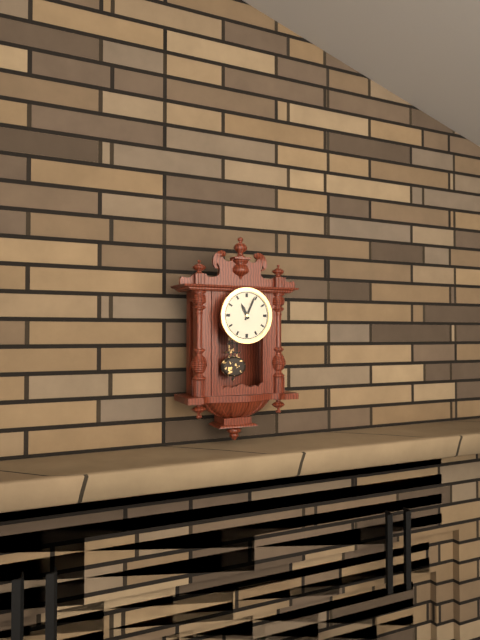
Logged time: 11.04
